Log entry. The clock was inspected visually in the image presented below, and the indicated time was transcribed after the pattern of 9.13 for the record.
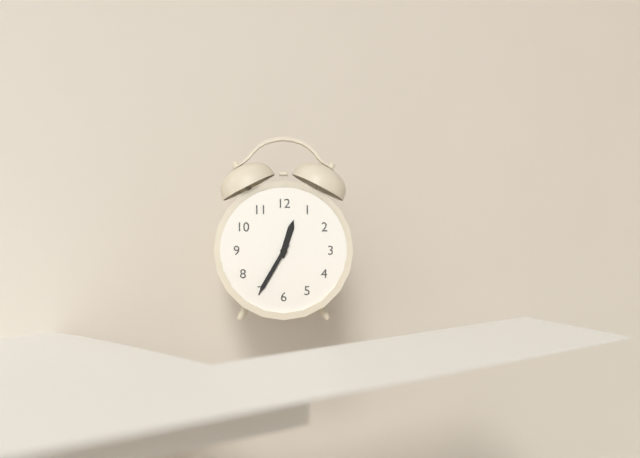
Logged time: 12.35
